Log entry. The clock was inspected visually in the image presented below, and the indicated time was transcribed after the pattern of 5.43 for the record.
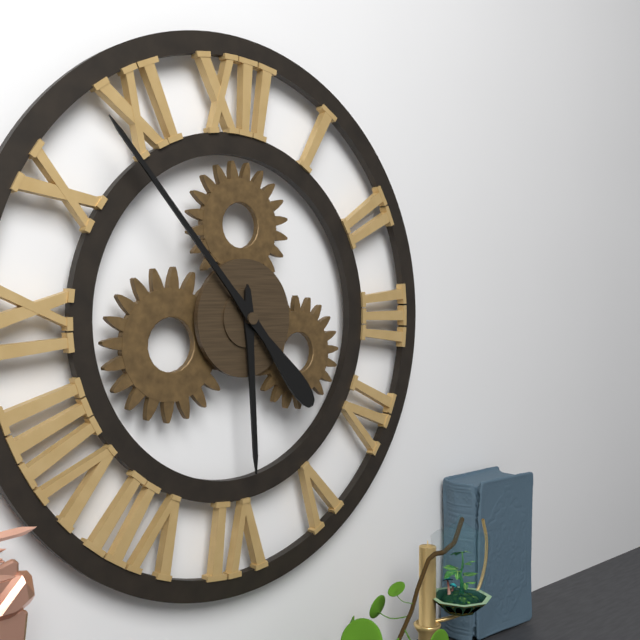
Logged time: 5.53
